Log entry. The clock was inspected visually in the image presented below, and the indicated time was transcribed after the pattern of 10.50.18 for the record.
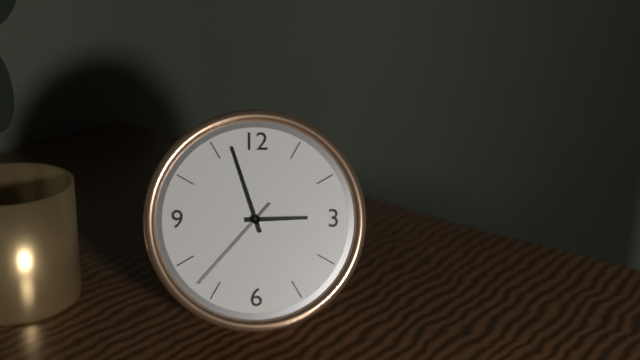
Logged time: 2.57.37
